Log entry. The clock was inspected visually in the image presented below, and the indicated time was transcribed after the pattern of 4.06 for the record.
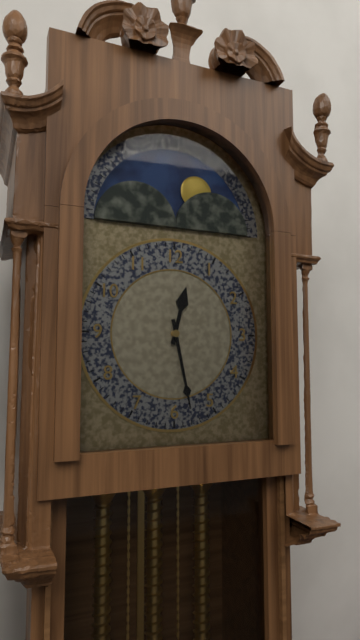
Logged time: 12.28
